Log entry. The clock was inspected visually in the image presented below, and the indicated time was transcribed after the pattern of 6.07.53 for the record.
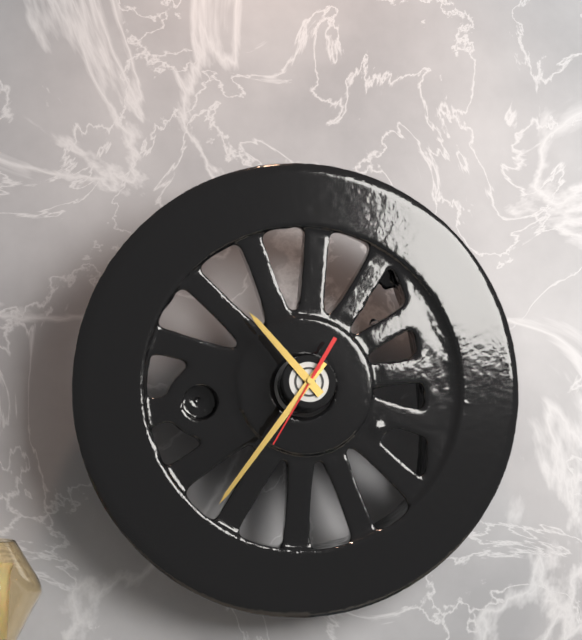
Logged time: 10.36.35
